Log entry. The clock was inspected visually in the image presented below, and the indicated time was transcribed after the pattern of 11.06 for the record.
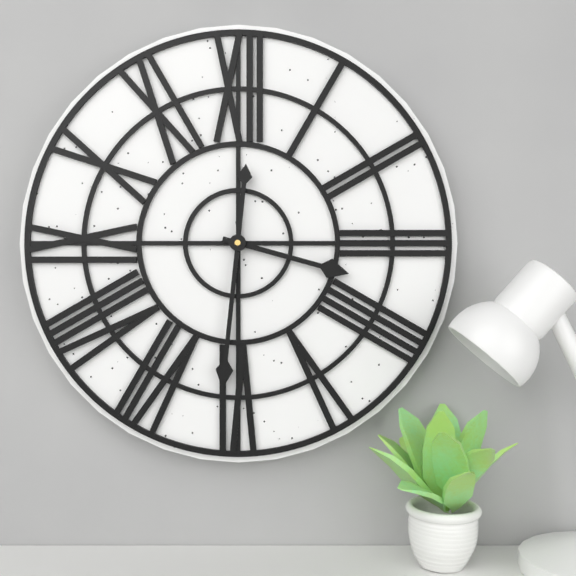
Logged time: 3.31
